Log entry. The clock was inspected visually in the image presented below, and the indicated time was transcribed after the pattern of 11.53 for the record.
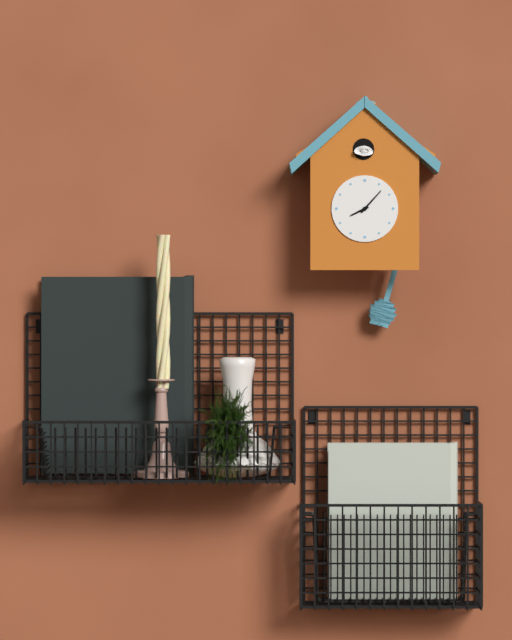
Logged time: 8.07
